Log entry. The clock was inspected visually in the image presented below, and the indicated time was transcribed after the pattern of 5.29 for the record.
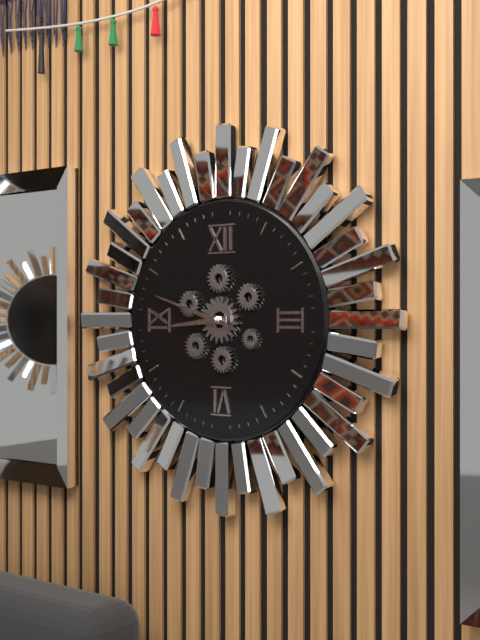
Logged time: 8.48
